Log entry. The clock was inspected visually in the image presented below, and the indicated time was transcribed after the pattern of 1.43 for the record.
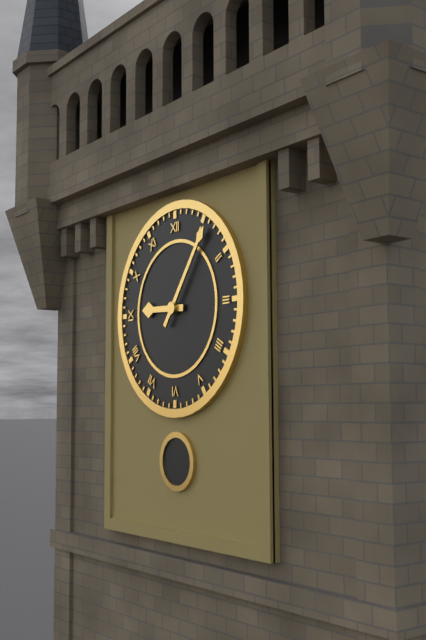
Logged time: 9.06
